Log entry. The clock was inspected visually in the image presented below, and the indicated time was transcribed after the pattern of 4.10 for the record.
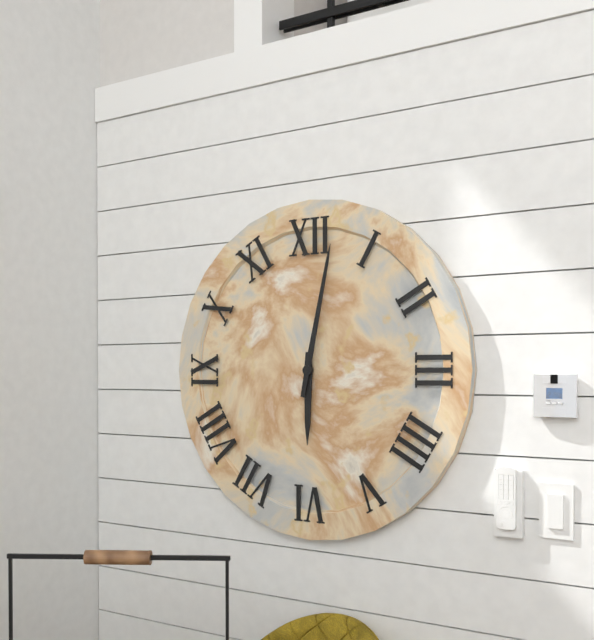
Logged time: 6.02
